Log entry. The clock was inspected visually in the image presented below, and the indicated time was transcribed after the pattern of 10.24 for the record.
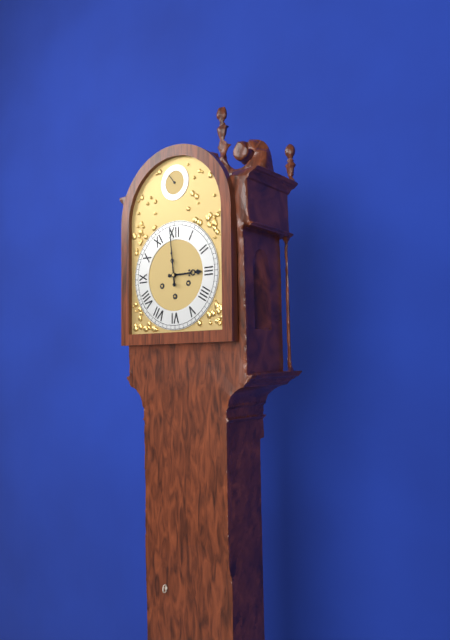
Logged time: 2.59
